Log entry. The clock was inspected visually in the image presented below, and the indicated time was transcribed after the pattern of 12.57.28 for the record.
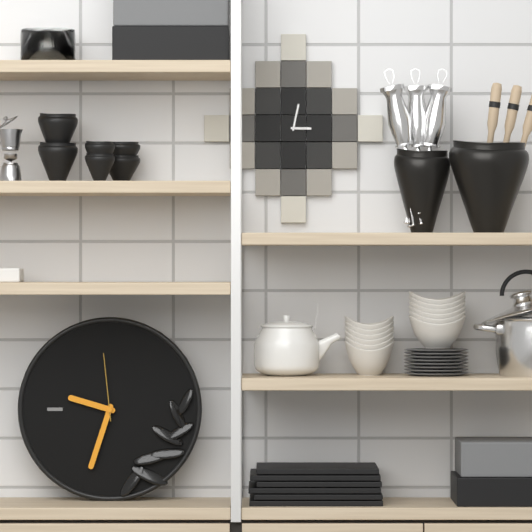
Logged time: 9.33.59
